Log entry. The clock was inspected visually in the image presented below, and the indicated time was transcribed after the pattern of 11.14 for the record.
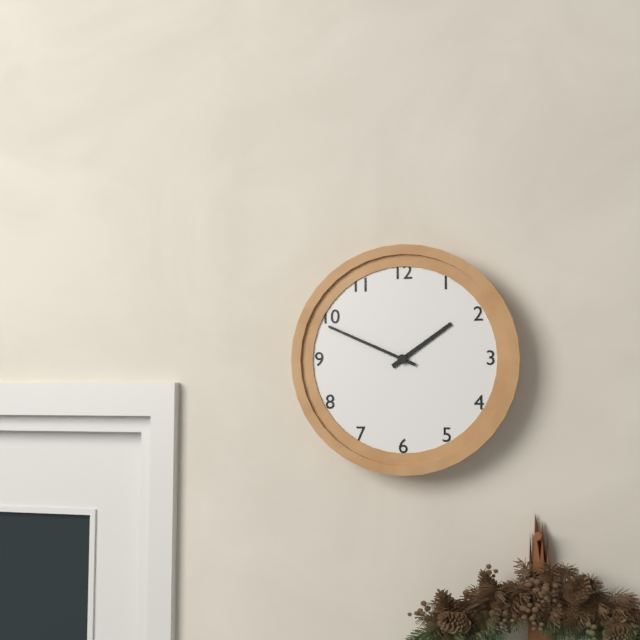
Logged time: 1.49
